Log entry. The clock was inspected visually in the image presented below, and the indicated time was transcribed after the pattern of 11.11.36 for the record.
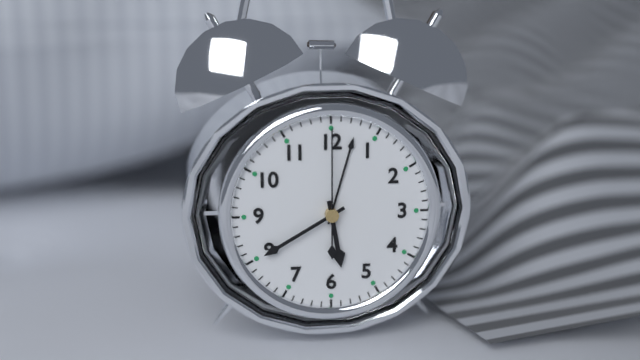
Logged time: 5.40.00
